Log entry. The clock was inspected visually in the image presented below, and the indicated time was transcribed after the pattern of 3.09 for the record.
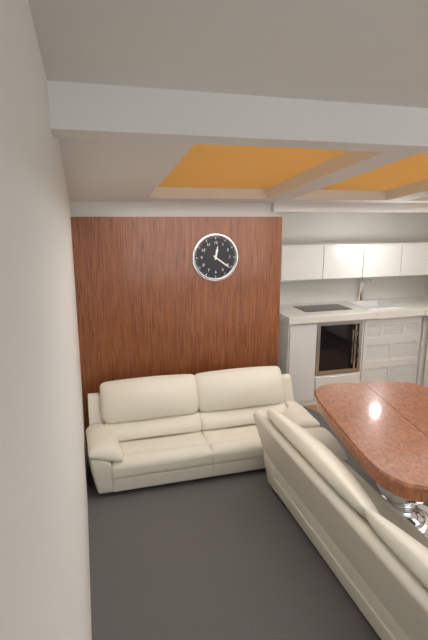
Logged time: 12.21
